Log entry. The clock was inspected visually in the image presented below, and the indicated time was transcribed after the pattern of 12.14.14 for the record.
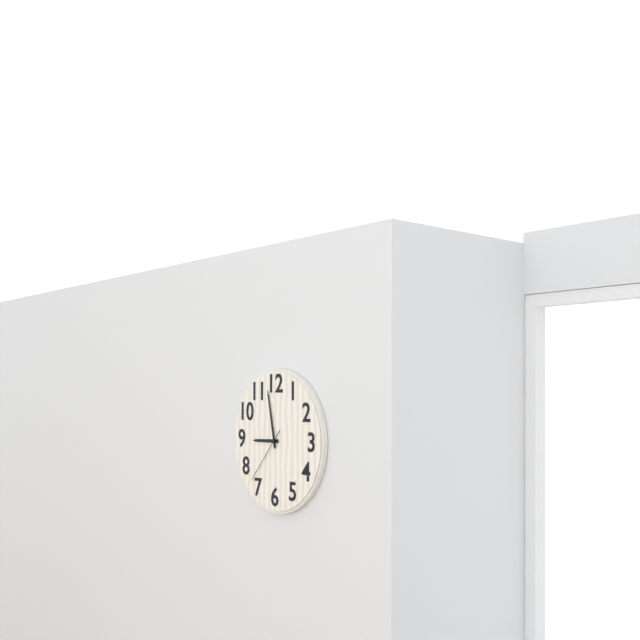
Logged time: 8.58.37
